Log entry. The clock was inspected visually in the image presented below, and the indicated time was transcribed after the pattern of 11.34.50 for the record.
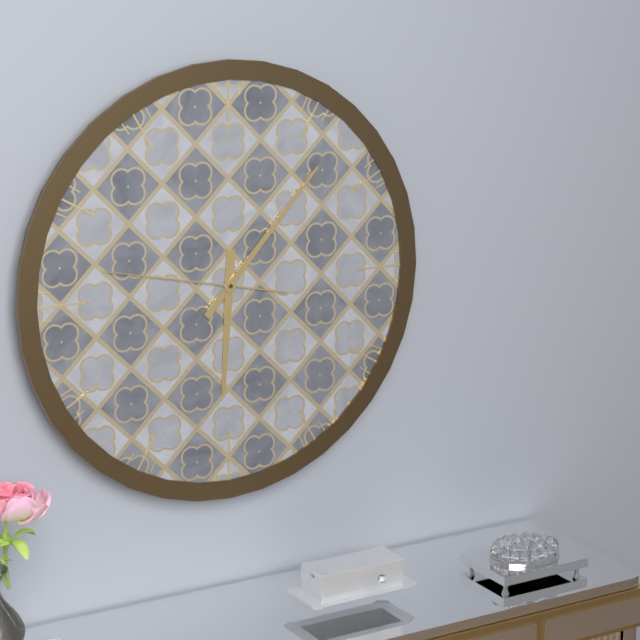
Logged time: 6.07.47
